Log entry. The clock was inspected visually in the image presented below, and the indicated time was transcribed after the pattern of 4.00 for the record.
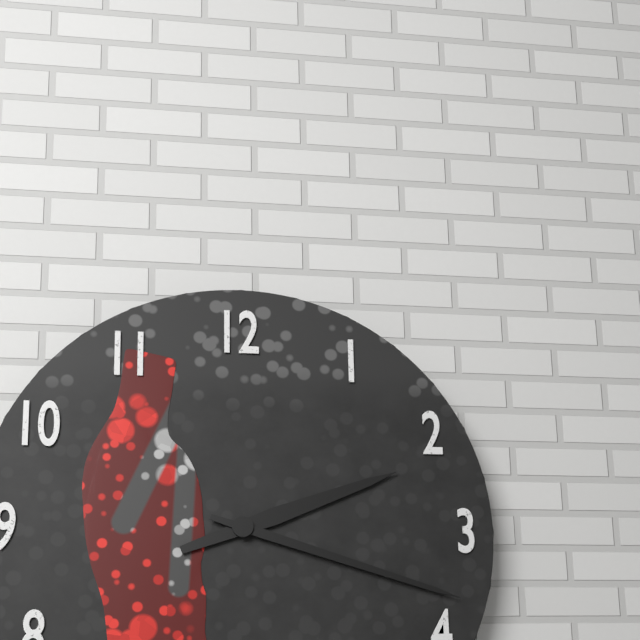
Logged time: 2.18
